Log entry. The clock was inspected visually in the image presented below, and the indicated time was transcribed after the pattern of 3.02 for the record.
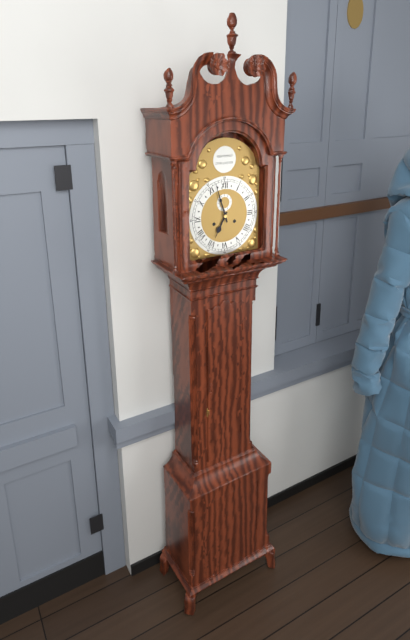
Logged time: 6.57
